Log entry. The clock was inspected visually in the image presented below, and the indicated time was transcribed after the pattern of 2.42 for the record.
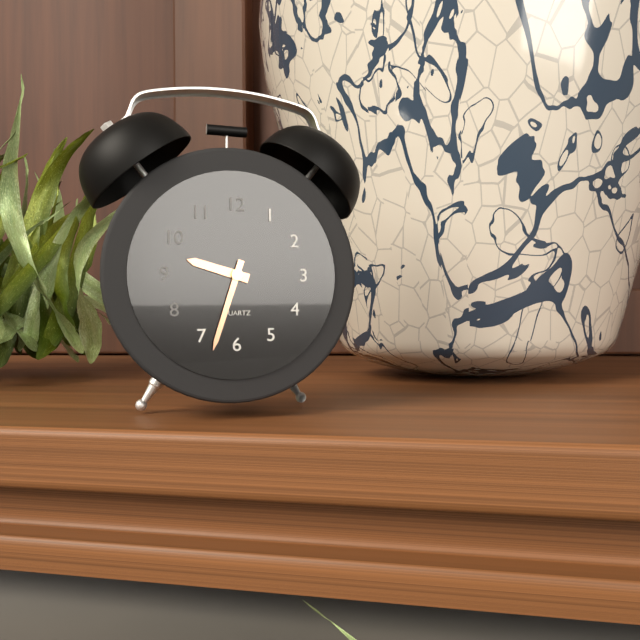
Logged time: 9.33
